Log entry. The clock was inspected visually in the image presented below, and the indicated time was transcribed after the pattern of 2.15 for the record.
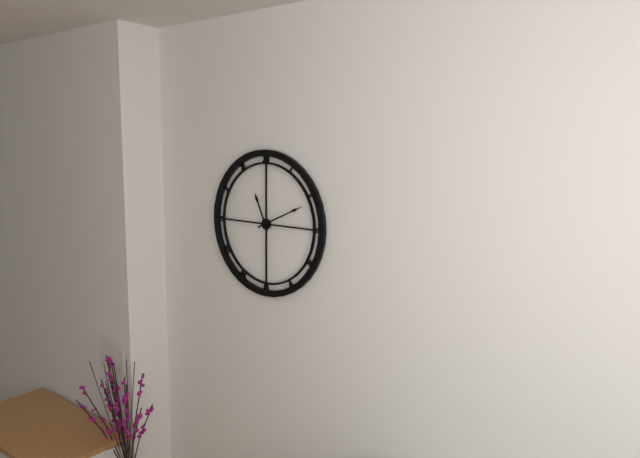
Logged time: 11.11
